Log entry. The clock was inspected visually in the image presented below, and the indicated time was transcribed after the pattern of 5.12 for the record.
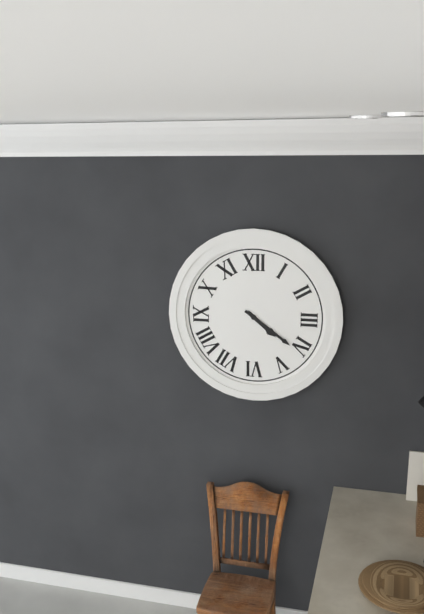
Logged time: 4.21
